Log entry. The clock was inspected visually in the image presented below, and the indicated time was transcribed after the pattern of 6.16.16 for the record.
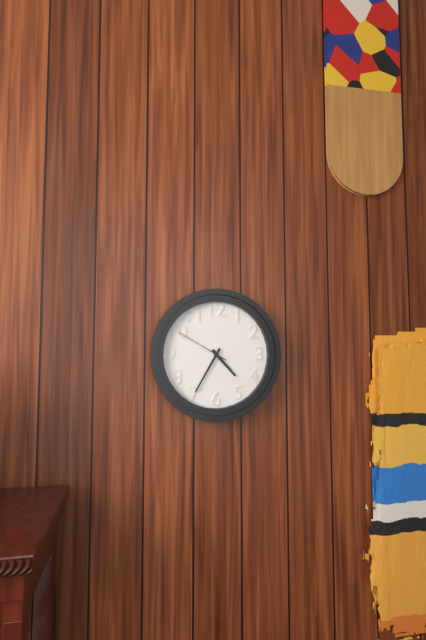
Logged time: 4.35.50
